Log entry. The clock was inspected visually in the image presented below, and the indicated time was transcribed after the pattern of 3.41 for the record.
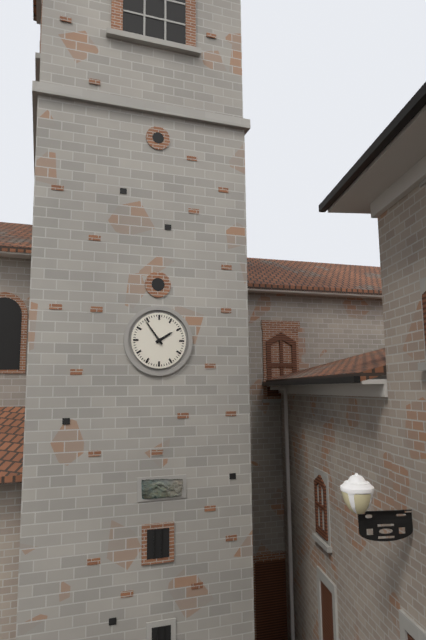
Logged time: 1.54
